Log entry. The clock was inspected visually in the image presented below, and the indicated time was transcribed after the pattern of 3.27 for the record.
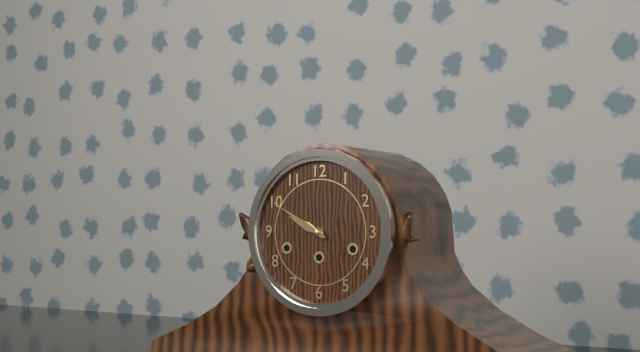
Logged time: 9.50
